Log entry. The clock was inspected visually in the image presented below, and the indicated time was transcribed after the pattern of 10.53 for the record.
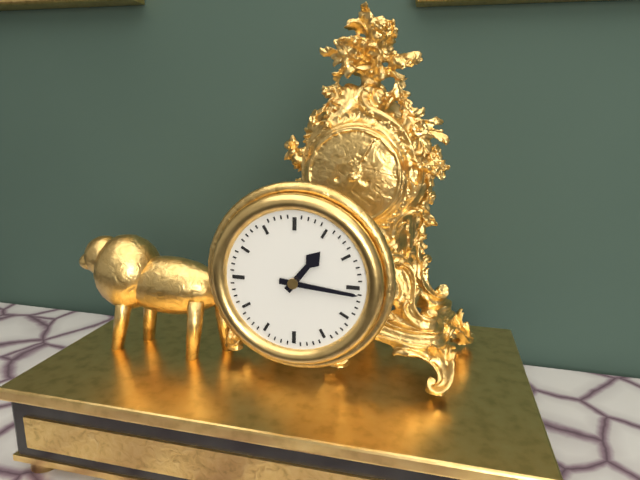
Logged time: 1.16
